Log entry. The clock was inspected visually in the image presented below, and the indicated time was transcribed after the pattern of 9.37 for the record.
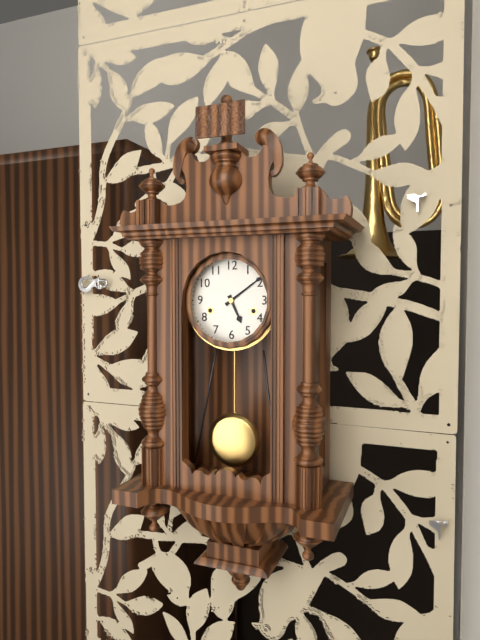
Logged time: 5.09
